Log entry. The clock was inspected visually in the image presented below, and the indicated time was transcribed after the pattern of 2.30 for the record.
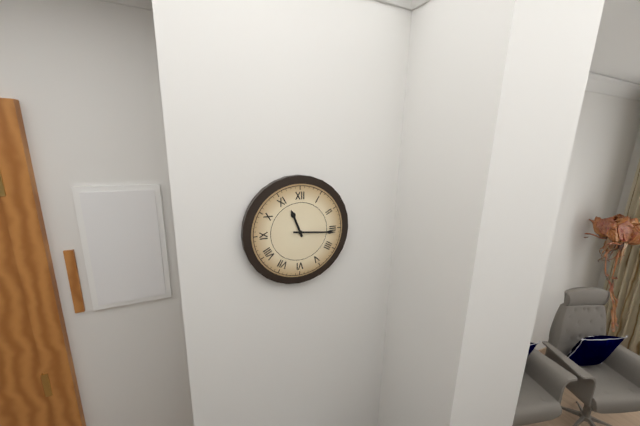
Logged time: 11.16
